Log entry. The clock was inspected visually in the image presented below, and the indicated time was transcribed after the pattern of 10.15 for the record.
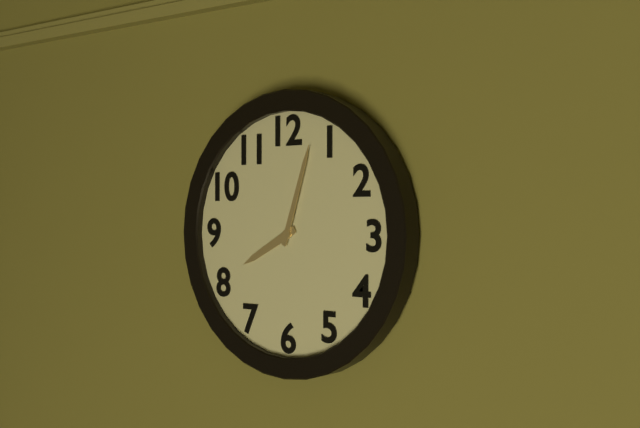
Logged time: 8.03
